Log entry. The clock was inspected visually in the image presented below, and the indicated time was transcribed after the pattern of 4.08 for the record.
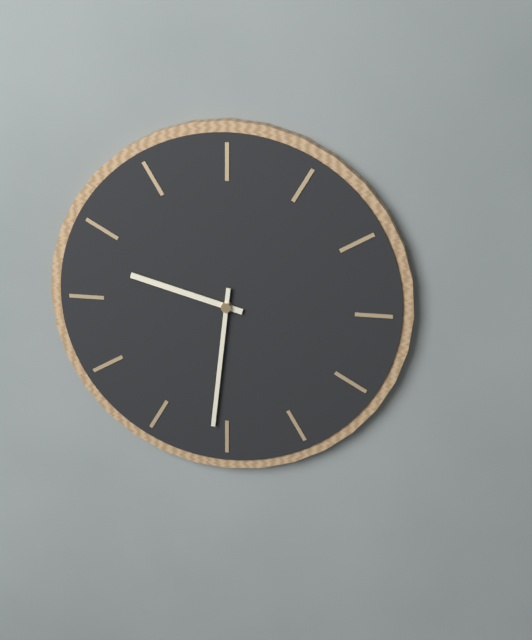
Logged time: 9.31
